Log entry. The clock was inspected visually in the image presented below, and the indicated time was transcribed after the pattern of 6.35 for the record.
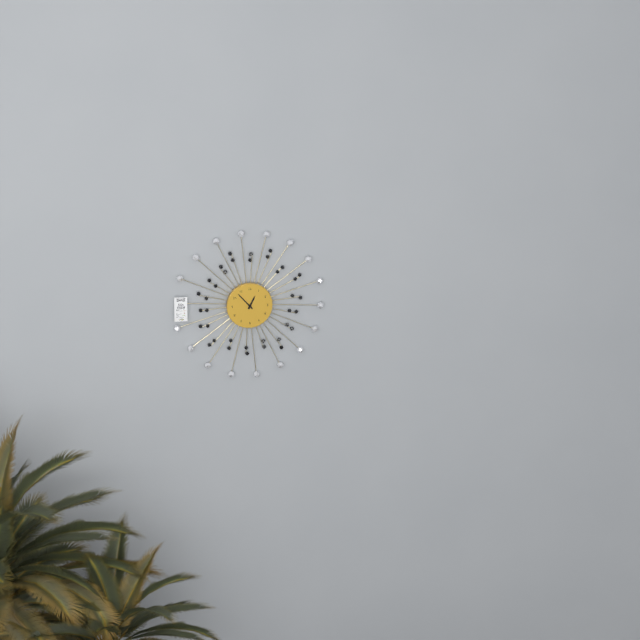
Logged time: 12.53
